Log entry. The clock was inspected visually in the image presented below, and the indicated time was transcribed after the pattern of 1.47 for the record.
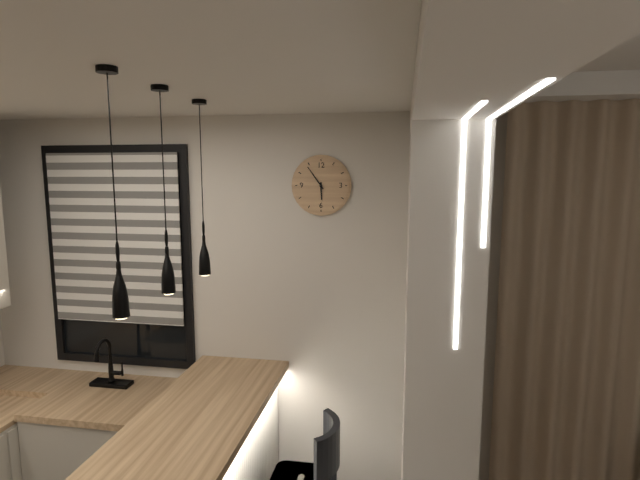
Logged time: 5.54
